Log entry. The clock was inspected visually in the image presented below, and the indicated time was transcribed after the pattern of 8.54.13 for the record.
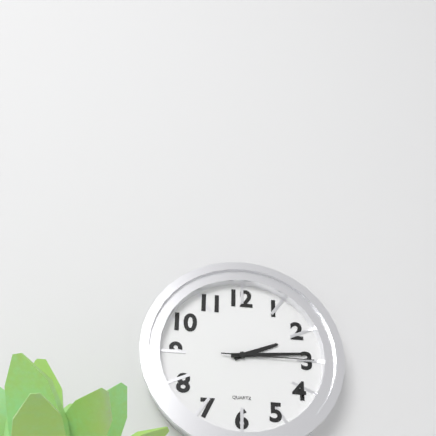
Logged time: 2.14.15
